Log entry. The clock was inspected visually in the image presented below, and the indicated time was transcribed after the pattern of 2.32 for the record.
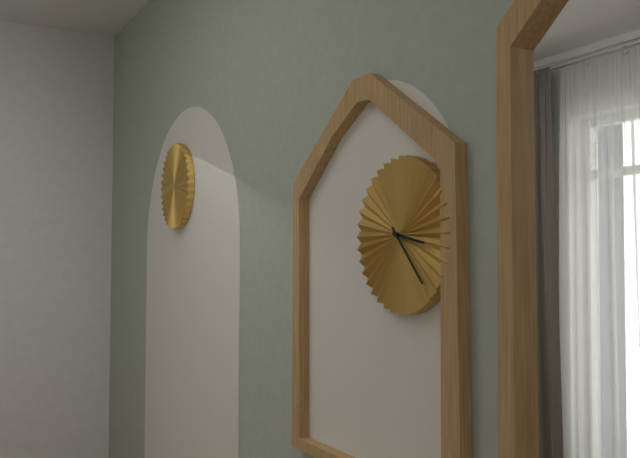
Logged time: 3.23
